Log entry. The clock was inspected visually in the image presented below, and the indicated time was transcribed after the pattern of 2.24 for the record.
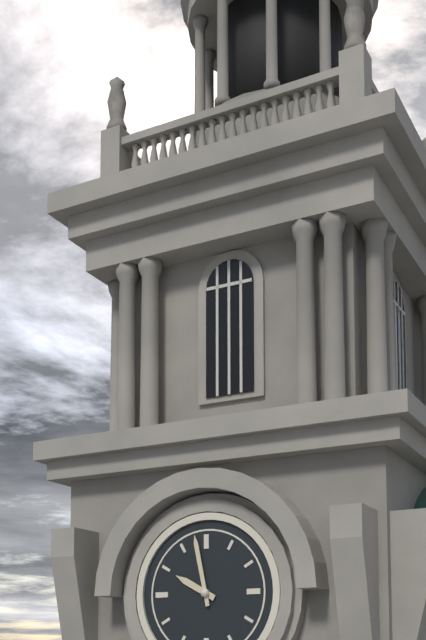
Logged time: 9.58
